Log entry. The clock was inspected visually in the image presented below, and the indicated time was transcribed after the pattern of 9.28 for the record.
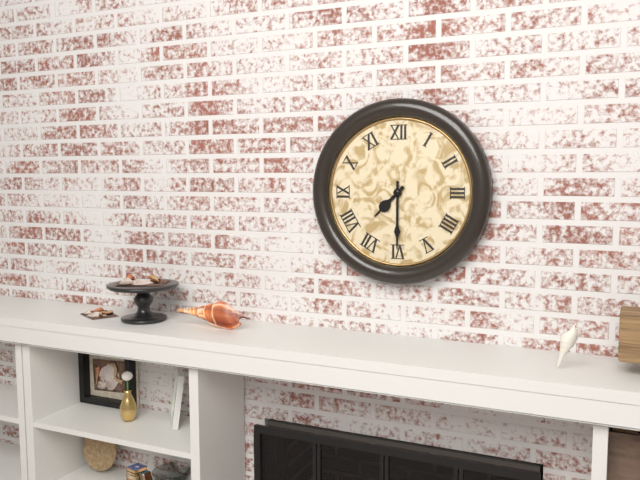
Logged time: 7.30
